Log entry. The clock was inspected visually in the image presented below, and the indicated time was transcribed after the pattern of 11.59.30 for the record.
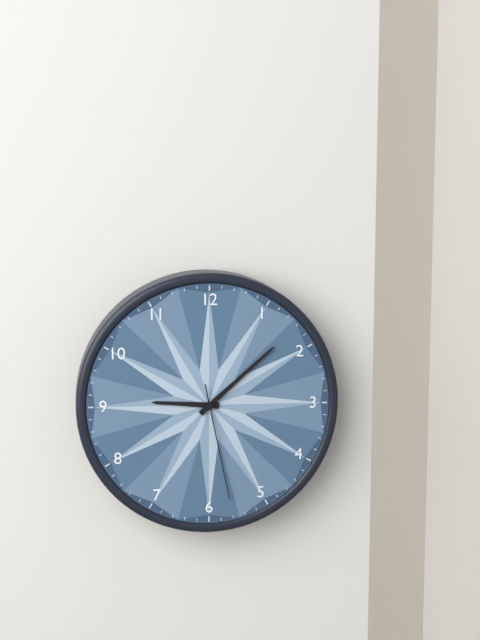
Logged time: 9.08.28
